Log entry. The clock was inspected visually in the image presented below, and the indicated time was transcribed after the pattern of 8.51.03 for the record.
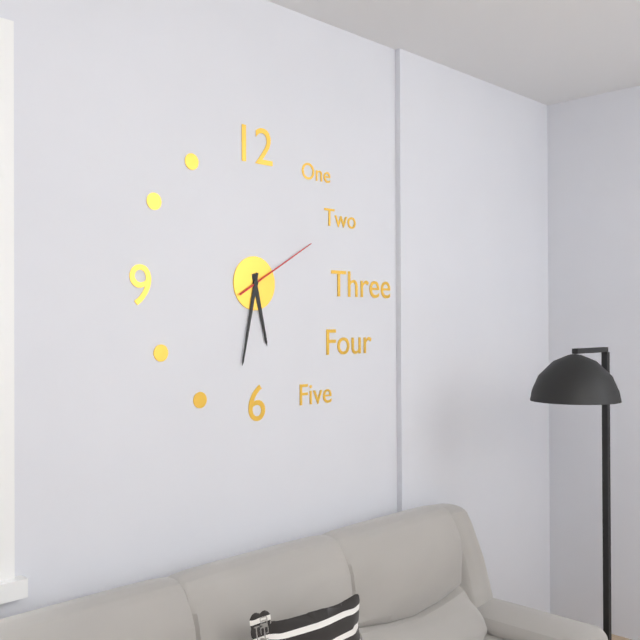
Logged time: 5.32.10
